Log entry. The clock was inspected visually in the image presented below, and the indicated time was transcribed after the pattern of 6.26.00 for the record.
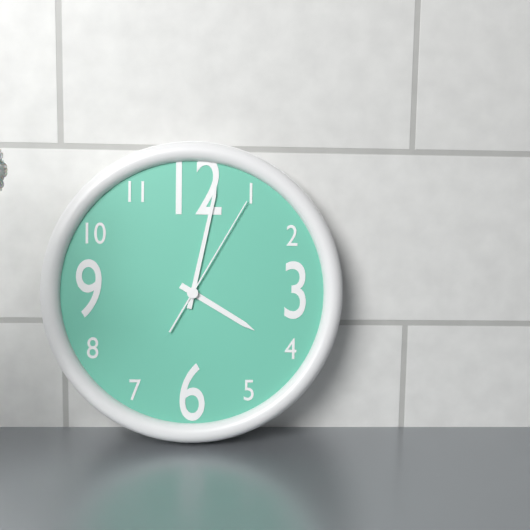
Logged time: 4.02.05
